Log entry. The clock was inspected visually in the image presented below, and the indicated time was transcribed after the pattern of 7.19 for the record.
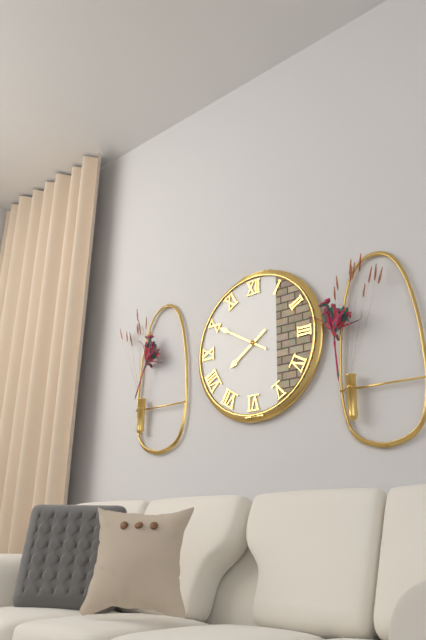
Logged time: 7.50
